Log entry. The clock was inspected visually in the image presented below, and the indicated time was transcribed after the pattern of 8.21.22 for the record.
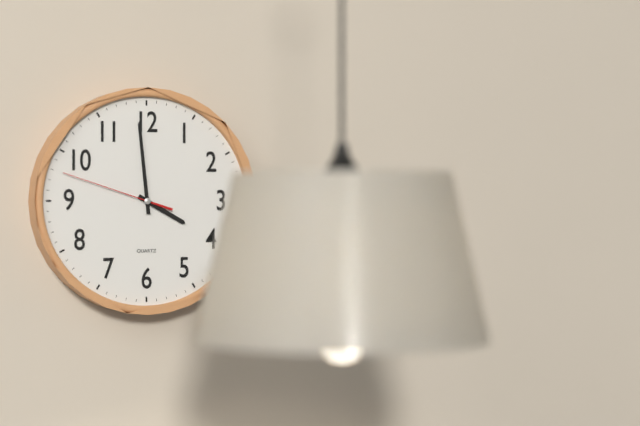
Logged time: 3.59.48
